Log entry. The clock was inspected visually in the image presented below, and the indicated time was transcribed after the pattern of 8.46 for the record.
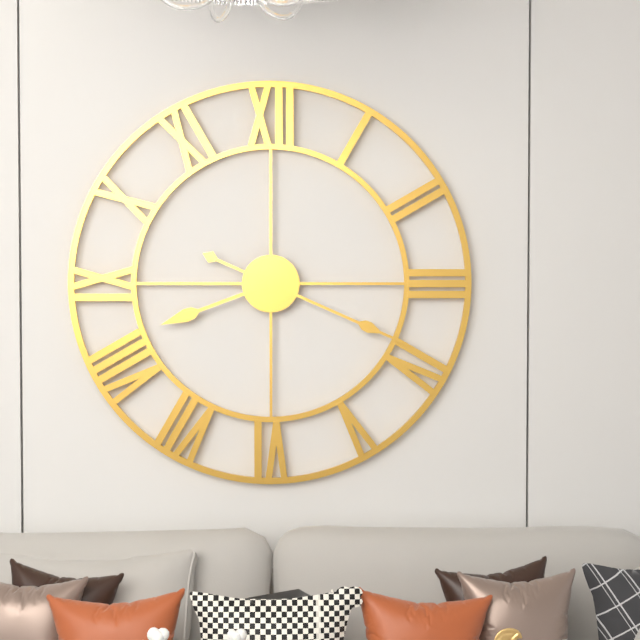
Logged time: 8.19
